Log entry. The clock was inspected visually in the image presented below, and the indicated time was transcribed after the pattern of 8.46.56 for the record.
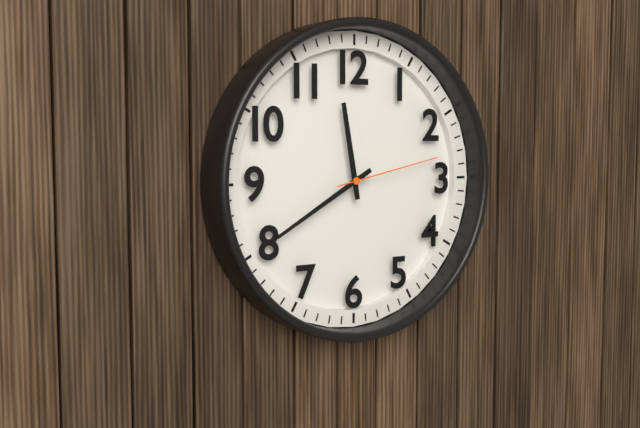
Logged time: 11.40.13
